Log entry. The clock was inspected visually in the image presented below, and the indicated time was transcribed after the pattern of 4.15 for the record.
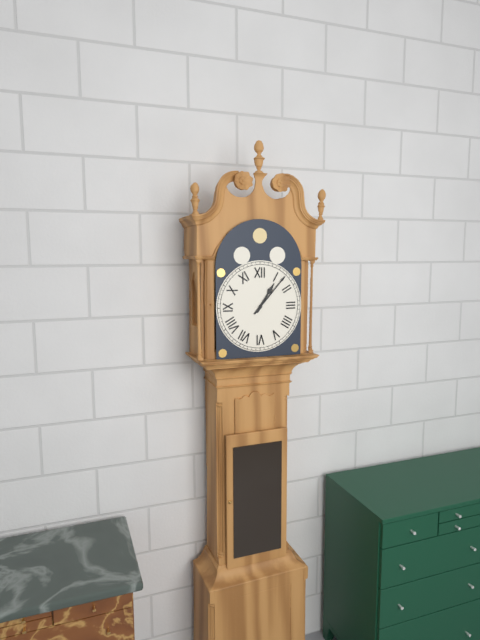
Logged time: 1.07
